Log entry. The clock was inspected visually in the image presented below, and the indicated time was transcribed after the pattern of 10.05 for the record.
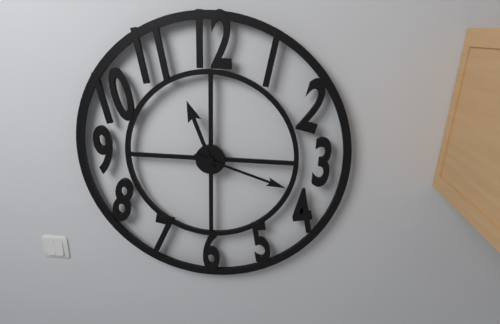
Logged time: 11.18
